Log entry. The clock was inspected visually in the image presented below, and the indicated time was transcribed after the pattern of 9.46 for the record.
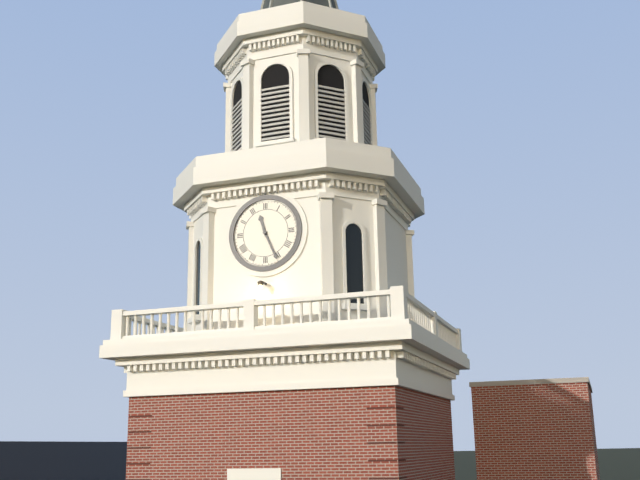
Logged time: 11.26
